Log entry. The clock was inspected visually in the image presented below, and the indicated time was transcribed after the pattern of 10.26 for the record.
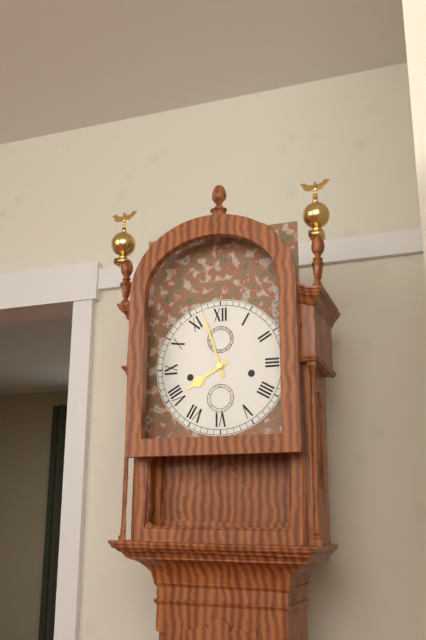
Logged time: 7.57
